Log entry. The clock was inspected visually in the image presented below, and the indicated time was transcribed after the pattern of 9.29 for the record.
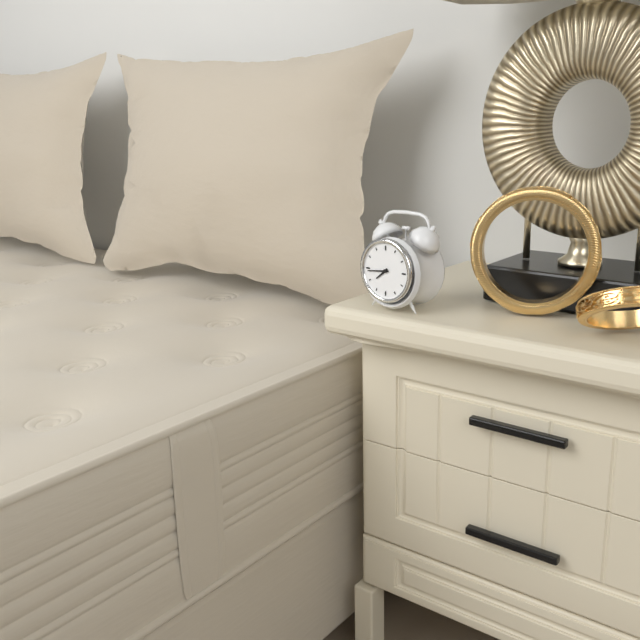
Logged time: 7.44
